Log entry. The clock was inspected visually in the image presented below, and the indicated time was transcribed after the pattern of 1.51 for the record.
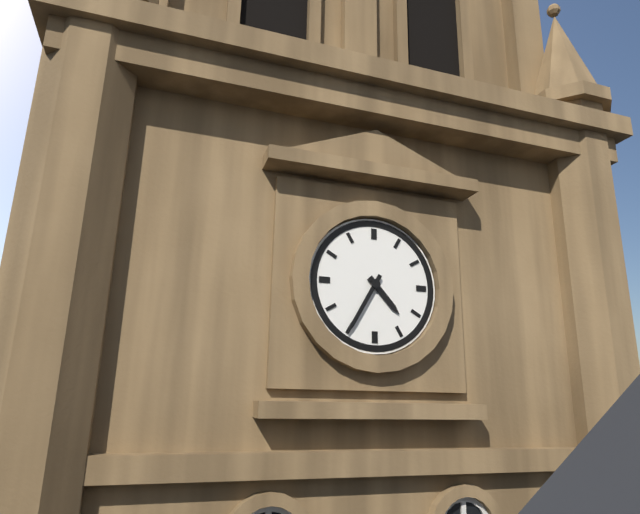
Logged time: 4.35
